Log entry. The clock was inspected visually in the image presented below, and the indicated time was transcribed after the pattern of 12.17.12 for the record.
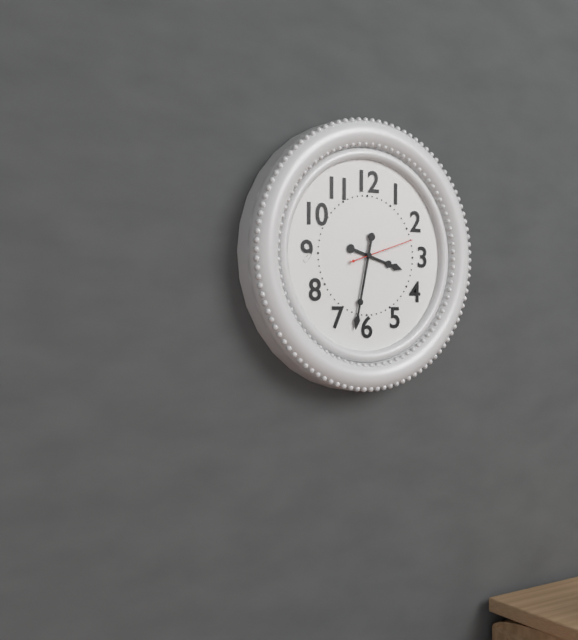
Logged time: 3.32.12
